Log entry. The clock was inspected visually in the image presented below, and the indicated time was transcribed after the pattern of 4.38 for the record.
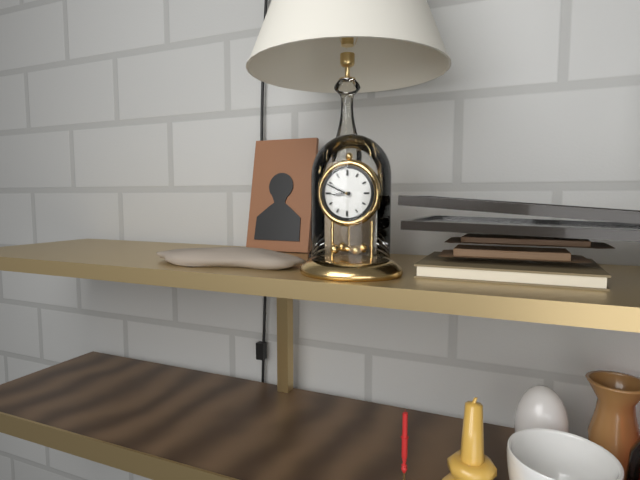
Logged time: 8.49
